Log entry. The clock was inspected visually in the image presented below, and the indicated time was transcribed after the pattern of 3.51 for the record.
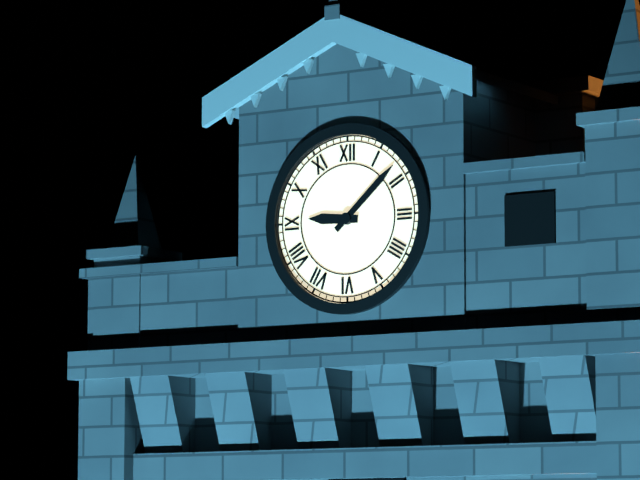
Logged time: 9.08
